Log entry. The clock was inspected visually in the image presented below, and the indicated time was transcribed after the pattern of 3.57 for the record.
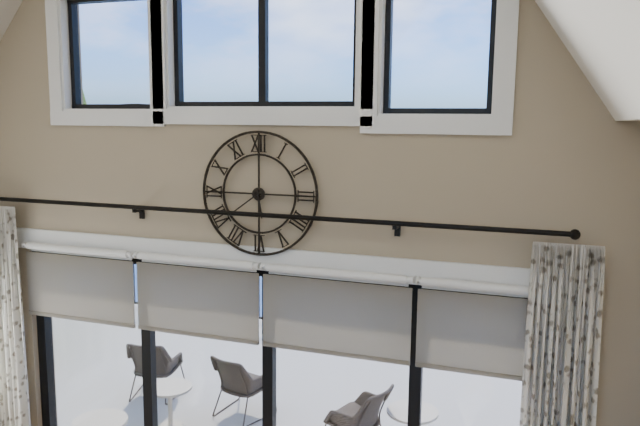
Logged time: 5.39
